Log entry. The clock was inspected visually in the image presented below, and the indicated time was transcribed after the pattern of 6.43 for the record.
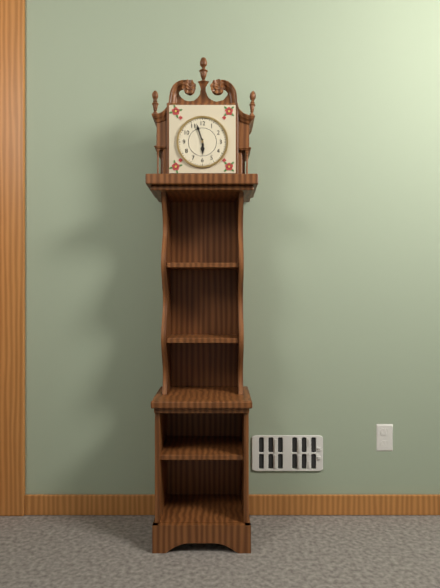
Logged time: 5.57
